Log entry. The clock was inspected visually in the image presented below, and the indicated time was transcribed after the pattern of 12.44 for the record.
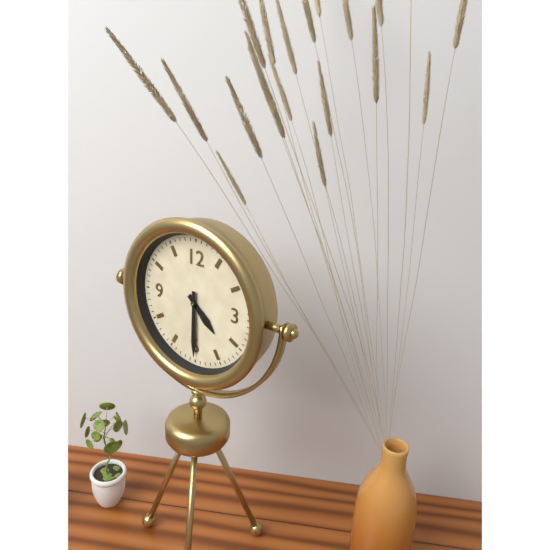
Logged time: 4.30
